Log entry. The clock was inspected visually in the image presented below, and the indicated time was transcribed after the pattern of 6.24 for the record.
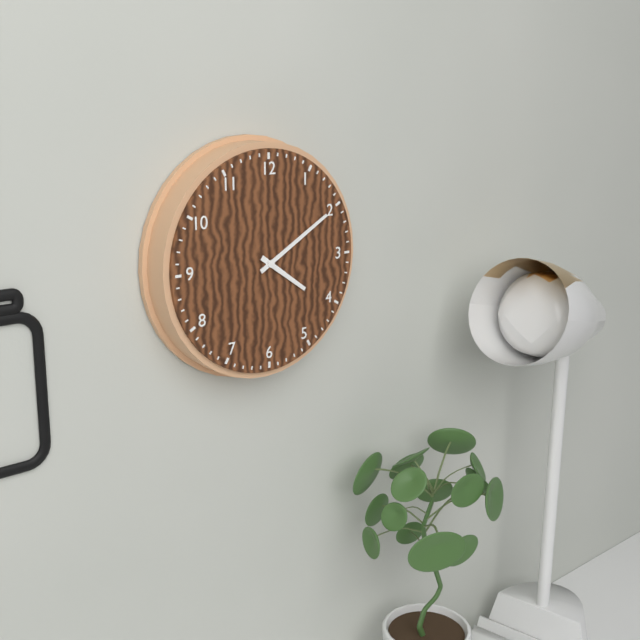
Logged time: 4.10
